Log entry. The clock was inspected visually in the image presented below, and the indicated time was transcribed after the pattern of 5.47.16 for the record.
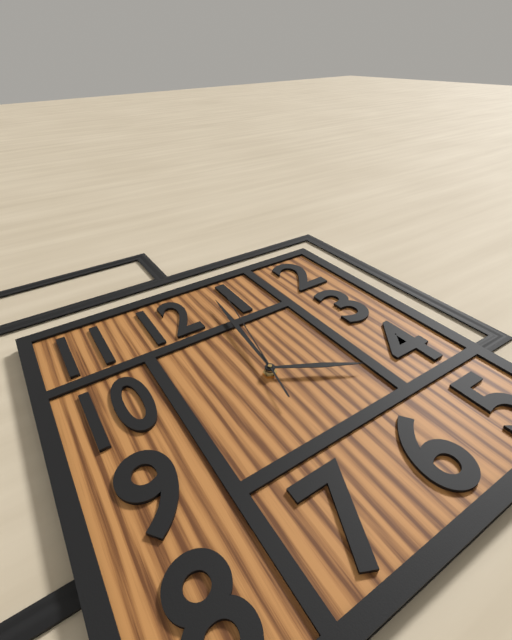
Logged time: 4.01.02
